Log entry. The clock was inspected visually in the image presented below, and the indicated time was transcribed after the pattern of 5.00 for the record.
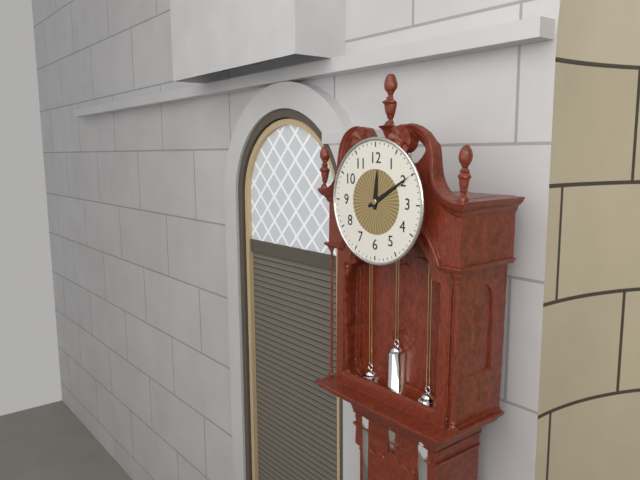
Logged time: 12.10
